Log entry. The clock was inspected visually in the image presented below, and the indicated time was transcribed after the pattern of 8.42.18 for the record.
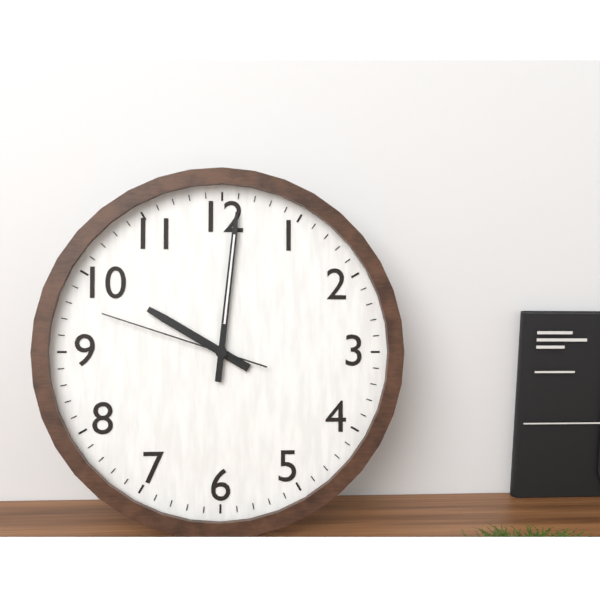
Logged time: 10.01.48
